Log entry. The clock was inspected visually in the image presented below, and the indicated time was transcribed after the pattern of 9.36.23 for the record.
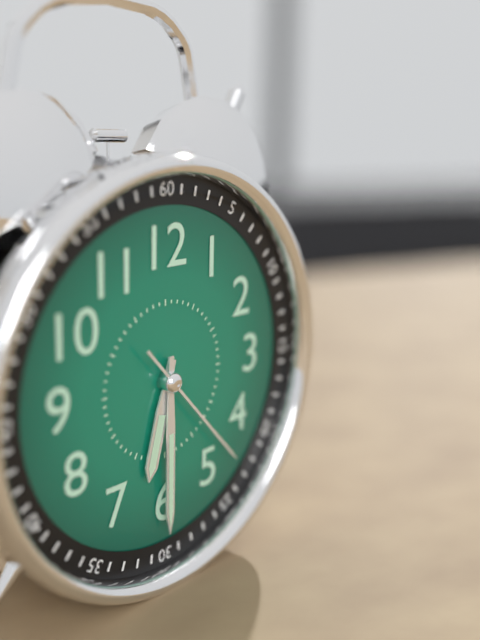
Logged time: 6.30.23
